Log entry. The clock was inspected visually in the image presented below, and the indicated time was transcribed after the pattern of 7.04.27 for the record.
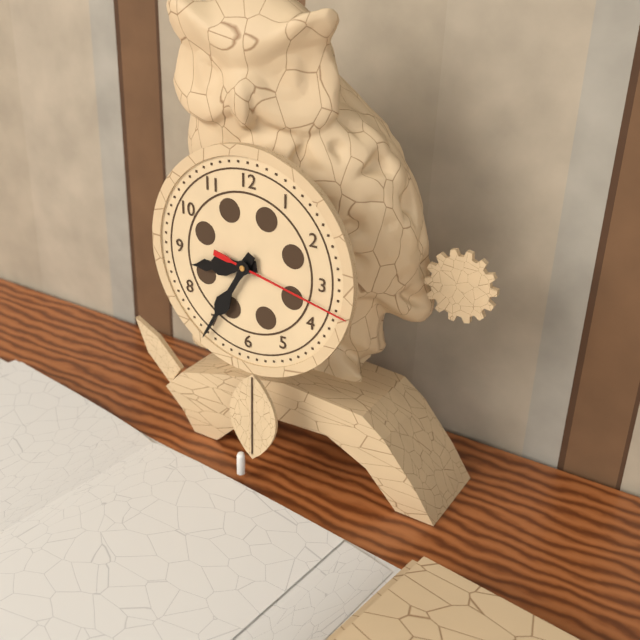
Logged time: 8.35.17
